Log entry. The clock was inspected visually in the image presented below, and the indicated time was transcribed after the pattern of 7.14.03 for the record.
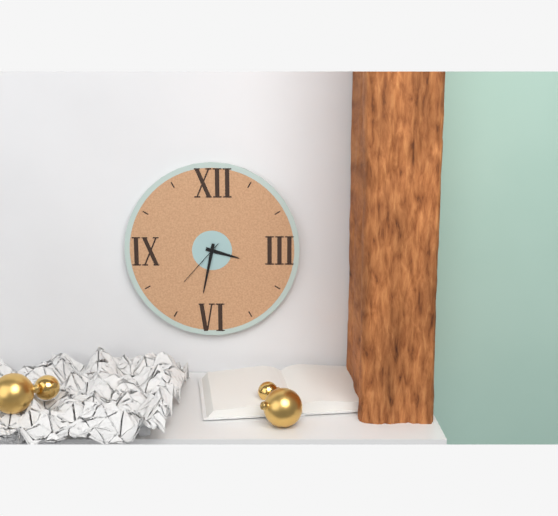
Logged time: 3.32.37
